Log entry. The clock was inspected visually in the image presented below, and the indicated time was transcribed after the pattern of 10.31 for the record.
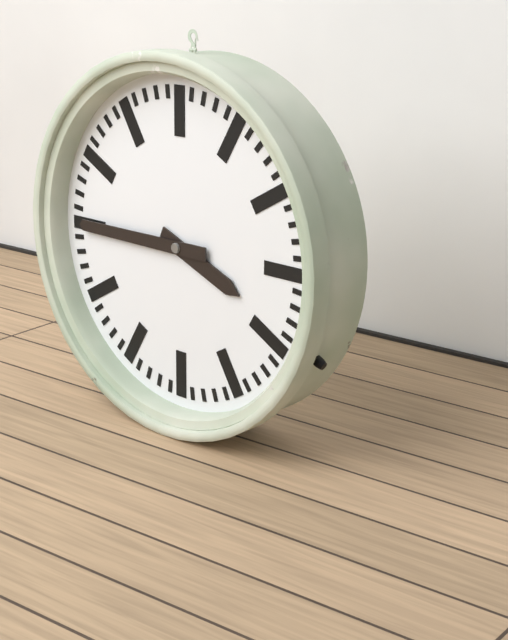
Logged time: 3.45
